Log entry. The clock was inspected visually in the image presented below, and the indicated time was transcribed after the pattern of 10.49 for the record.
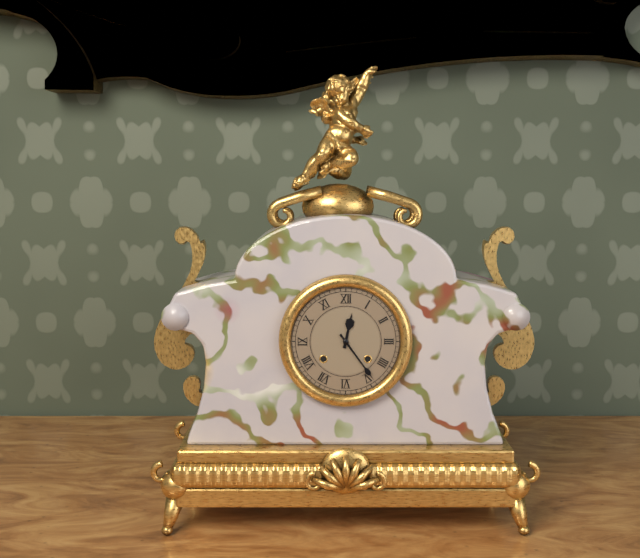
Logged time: 12.24
